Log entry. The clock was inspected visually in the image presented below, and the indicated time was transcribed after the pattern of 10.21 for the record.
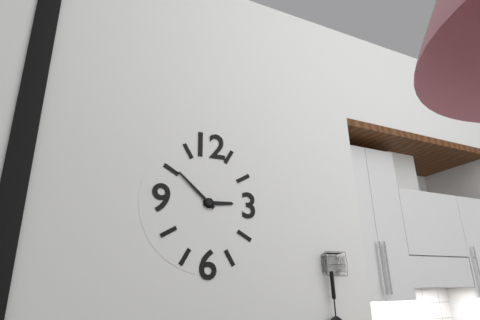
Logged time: 2.52
